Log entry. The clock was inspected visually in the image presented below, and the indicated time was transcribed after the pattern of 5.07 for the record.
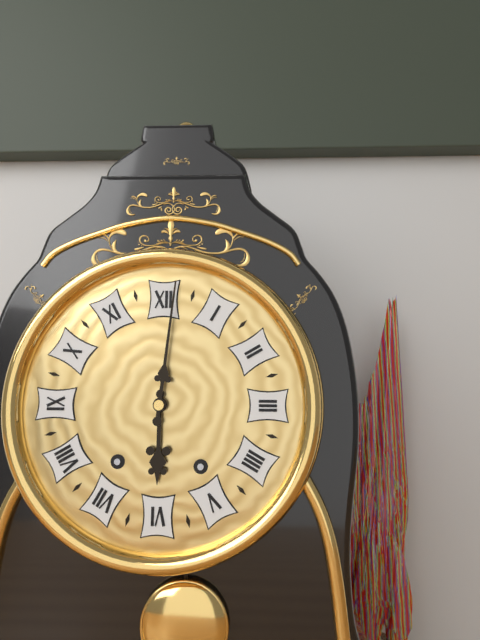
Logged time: 6.01
